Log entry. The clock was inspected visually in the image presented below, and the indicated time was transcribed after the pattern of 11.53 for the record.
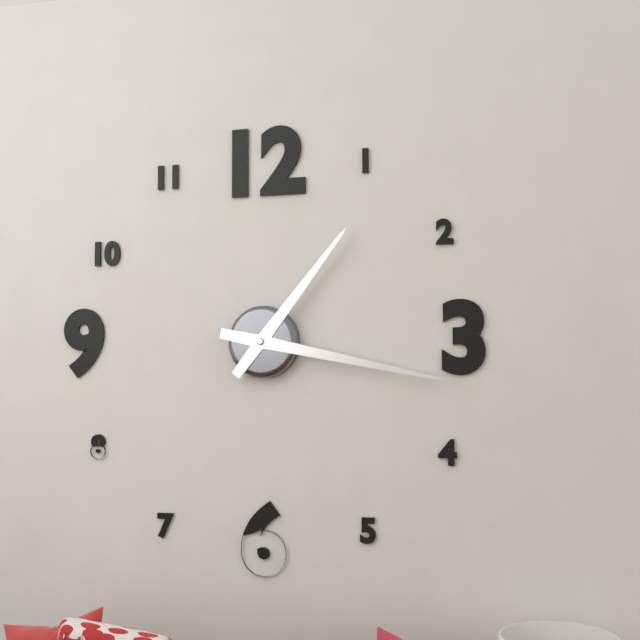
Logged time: 1.17
